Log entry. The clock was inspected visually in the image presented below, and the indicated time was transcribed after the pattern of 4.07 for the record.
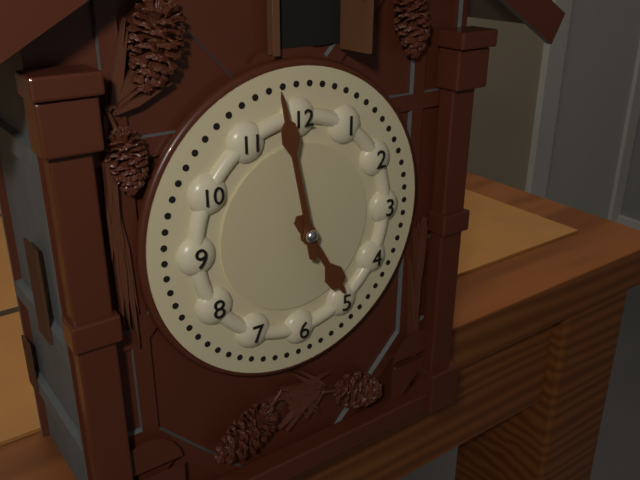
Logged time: 4.58
